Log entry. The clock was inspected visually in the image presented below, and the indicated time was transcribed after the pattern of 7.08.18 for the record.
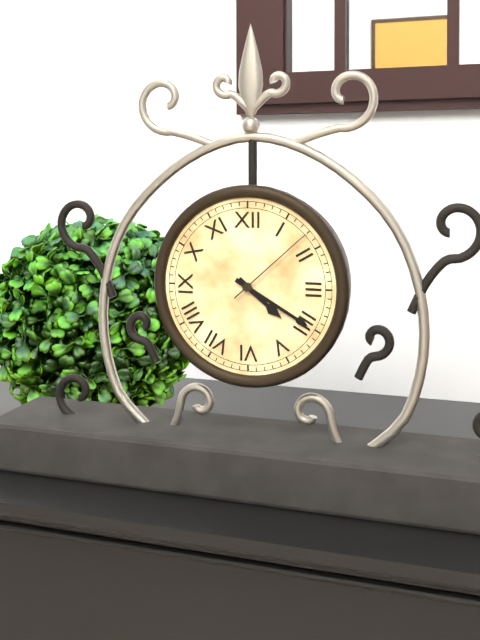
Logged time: 4.20.08
